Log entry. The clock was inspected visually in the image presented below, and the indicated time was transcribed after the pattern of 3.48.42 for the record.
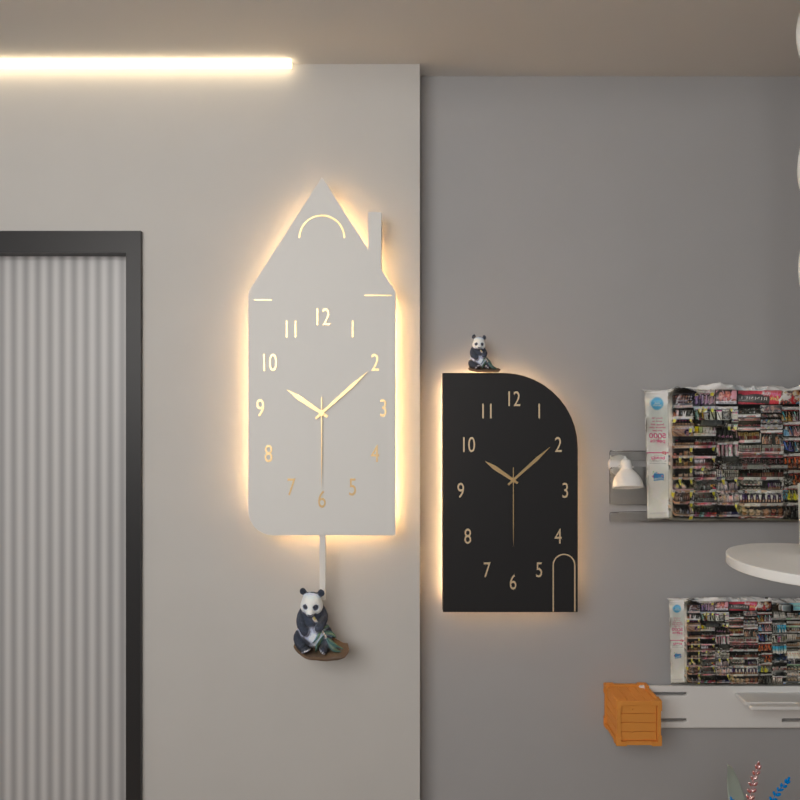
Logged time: 10.08.30
